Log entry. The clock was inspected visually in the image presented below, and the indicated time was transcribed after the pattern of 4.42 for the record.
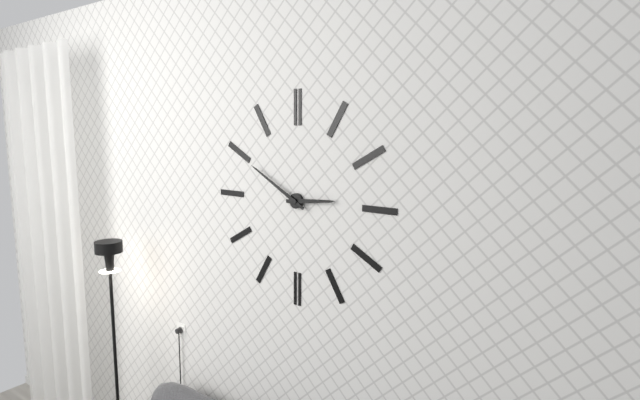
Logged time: 2.50
